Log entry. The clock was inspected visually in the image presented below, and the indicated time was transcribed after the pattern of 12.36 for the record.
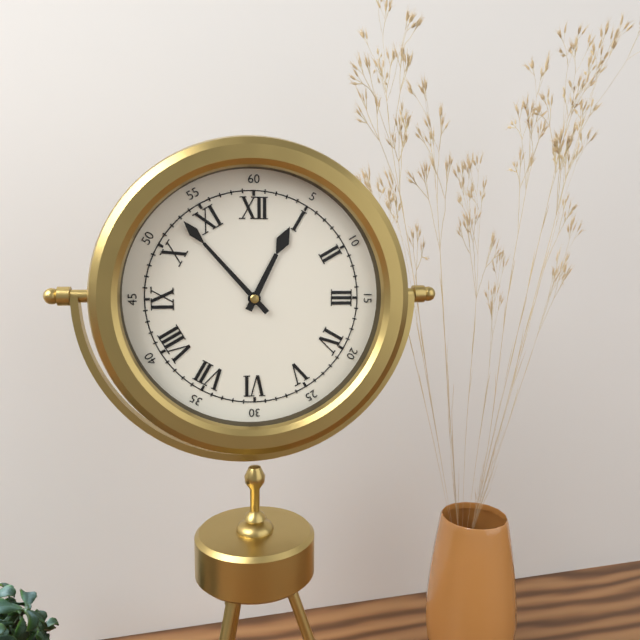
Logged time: 12.53
